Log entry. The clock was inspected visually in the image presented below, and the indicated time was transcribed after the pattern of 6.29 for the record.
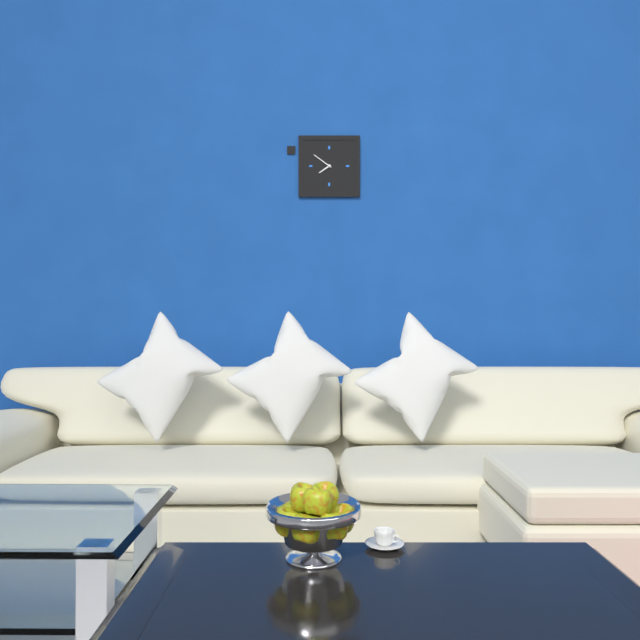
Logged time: 7.51
